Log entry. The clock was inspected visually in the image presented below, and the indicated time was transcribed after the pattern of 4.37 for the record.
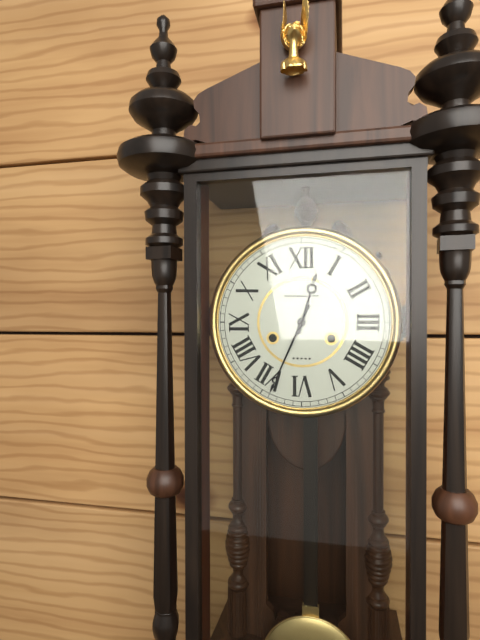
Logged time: 12.34
